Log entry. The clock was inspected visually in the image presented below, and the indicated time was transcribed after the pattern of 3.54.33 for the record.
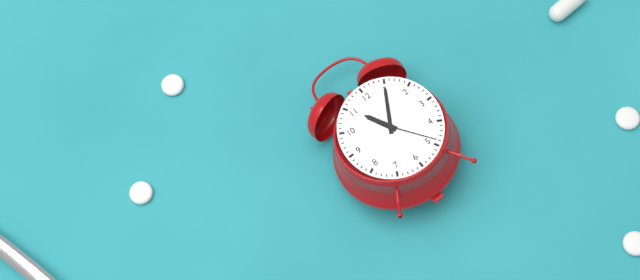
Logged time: 11.05.24
